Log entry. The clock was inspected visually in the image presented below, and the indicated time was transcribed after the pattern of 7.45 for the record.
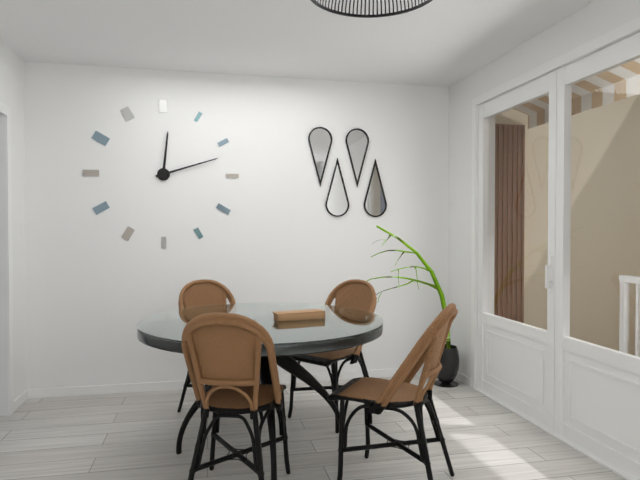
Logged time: 12.12
